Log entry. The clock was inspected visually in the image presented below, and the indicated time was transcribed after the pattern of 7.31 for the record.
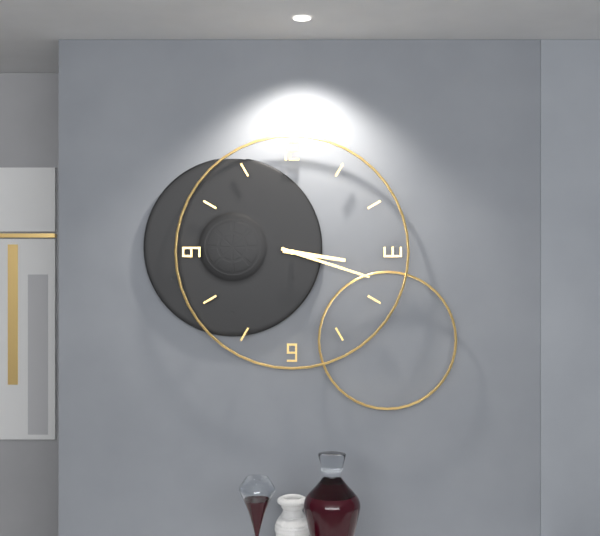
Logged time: 3.18
